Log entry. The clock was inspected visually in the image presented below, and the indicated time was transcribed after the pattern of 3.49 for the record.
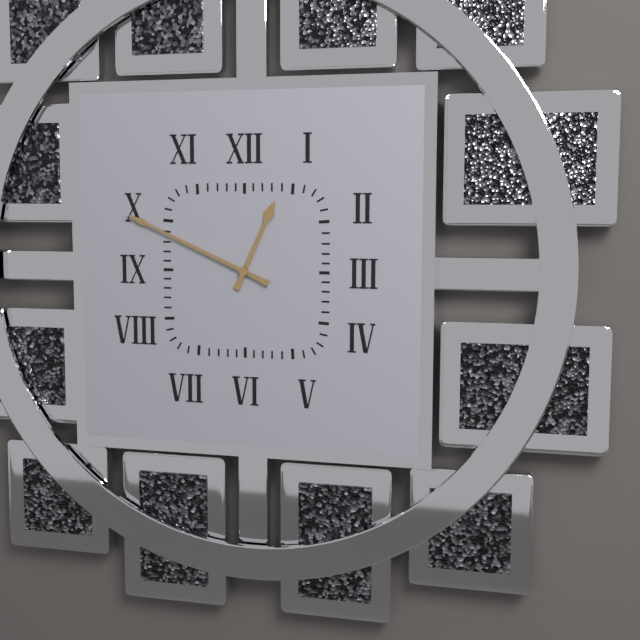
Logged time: 12.49
